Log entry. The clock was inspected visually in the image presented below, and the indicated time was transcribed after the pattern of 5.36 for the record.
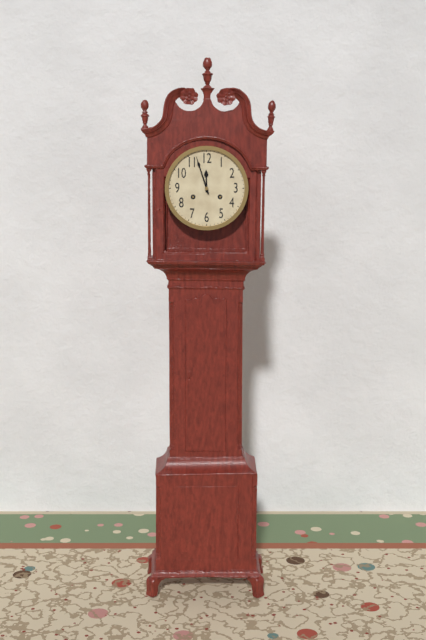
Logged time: 11.57
